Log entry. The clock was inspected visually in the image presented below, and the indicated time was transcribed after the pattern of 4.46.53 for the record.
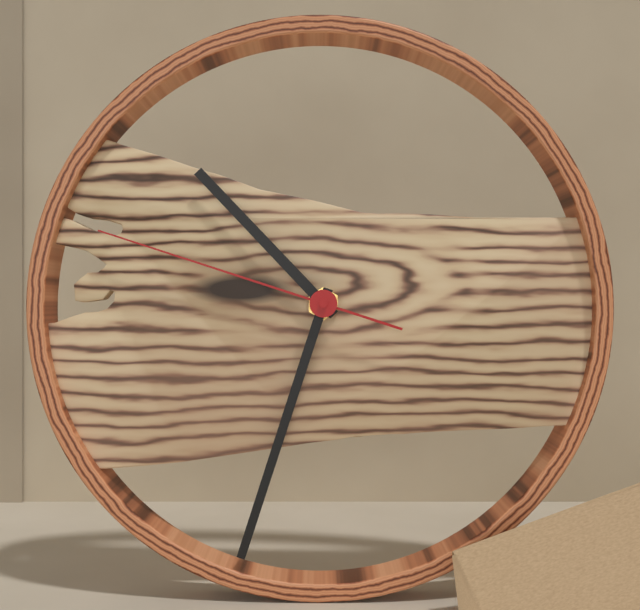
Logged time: 10.33.48
